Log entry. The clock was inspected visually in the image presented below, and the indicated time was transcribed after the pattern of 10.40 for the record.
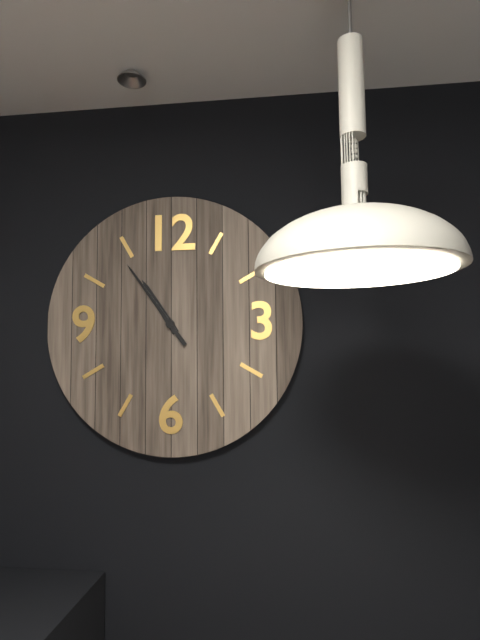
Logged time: 10.54
